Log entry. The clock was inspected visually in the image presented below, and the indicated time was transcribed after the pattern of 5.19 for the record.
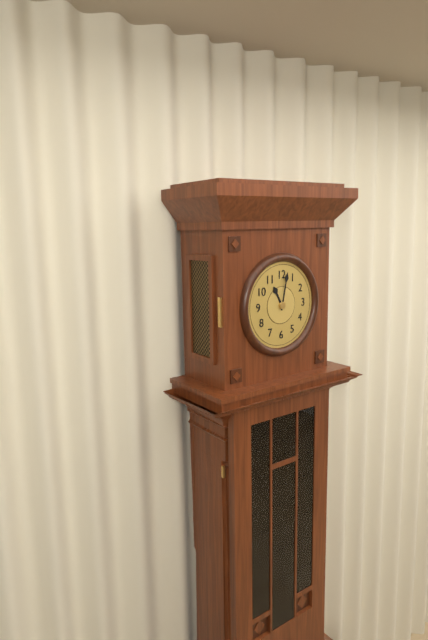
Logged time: 11.02
